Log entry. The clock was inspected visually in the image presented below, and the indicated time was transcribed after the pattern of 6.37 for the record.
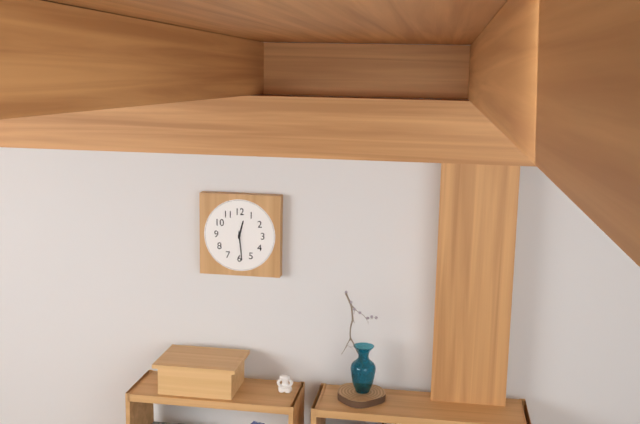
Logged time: 12.29
